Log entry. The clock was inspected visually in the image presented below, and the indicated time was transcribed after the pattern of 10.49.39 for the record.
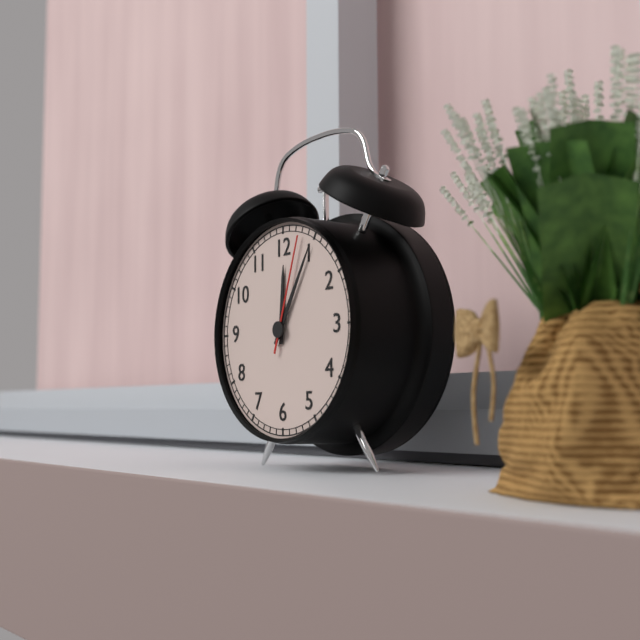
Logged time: 12.05.03
